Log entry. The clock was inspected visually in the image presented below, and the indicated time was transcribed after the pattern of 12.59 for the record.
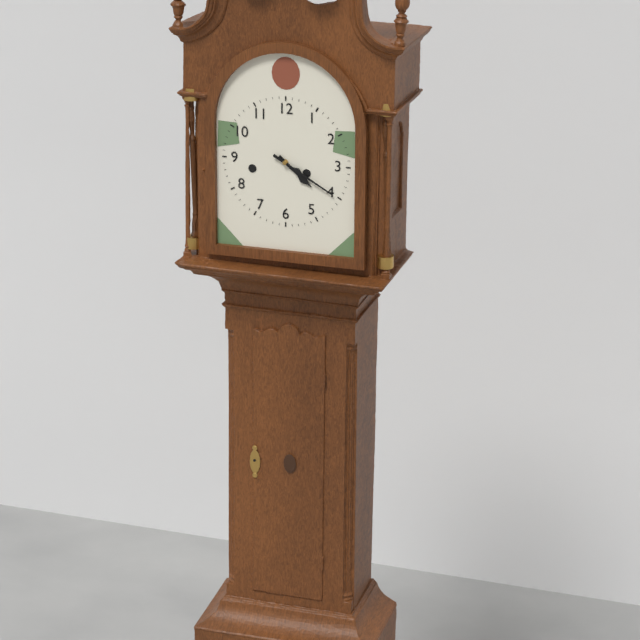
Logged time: 4.20
